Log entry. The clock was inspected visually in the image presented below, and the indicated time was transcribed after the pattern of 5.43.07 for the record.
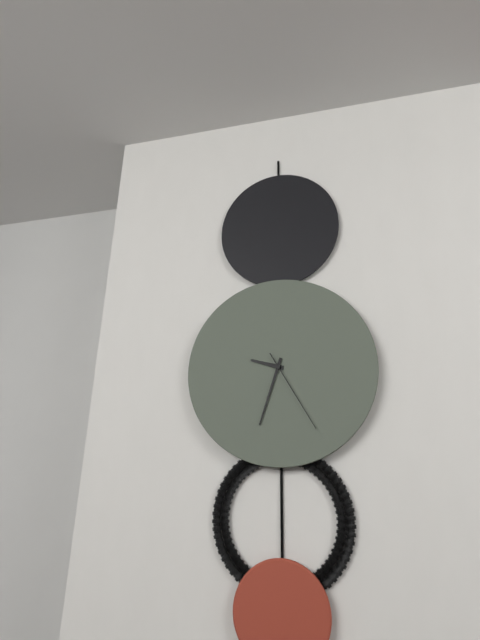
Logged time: 9.33.25
